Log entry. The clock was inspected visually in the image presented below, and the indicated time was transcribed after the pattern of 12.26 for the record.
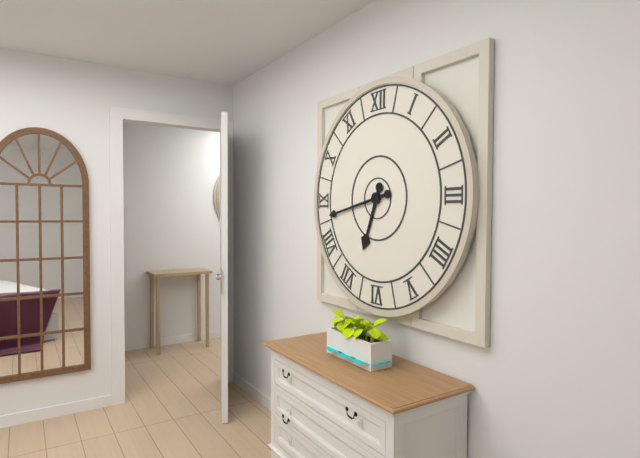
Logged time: 6.43
